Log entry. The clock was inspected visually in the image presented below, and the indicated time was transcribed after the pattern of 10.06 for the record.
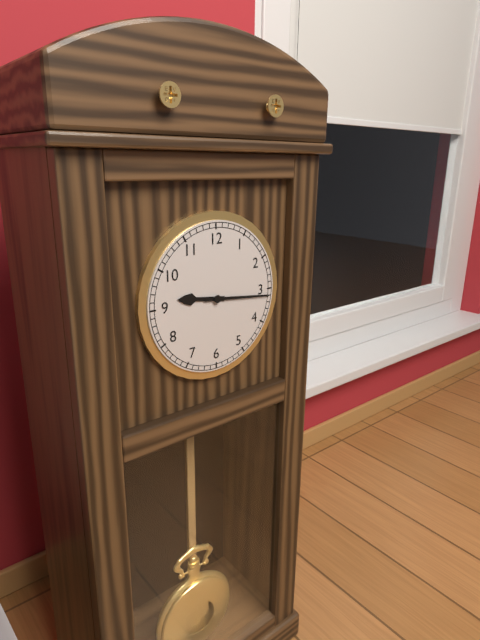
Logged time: 9.16
